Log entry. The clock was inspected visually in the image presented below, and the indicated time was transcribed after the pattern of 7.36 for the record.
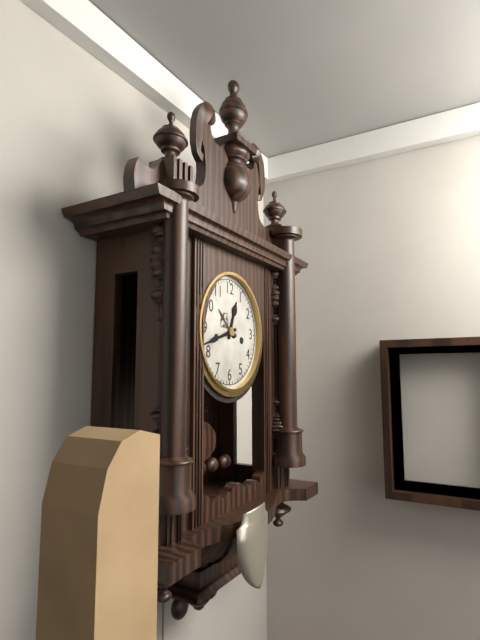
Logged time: 12.42
